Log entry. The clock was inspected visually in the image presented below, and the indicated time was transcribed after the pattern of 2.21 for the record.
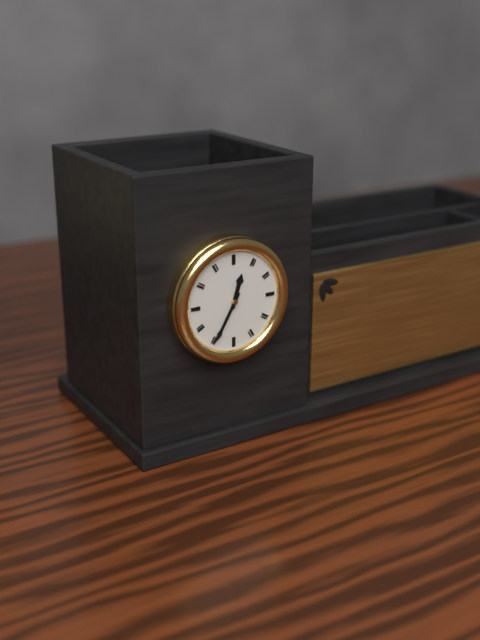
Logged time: 12.35
